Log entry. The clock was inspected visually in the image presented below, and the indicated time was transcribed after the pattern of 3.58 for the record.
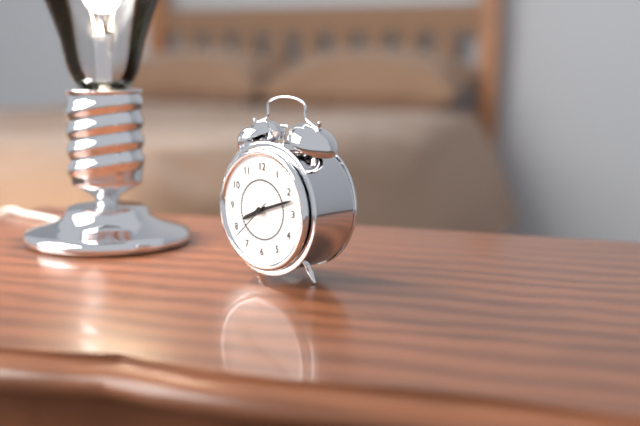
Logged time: 8.12
